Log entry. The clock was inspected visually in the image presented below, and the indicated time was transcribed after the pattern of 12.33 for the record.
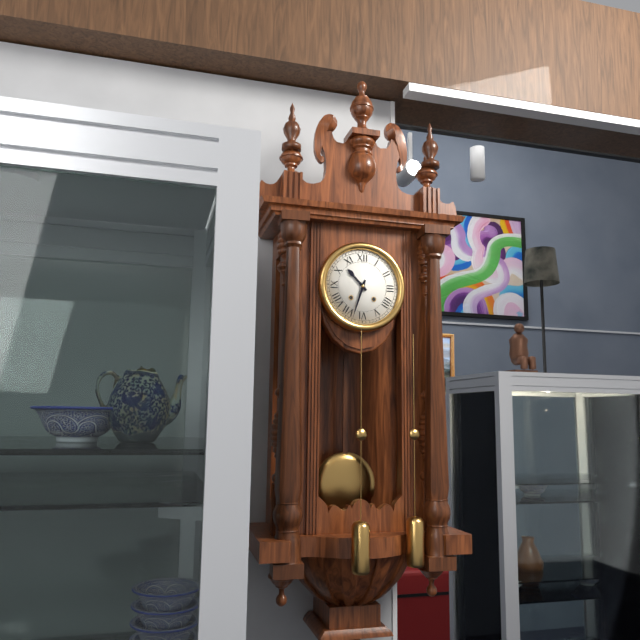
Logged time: 10.33
